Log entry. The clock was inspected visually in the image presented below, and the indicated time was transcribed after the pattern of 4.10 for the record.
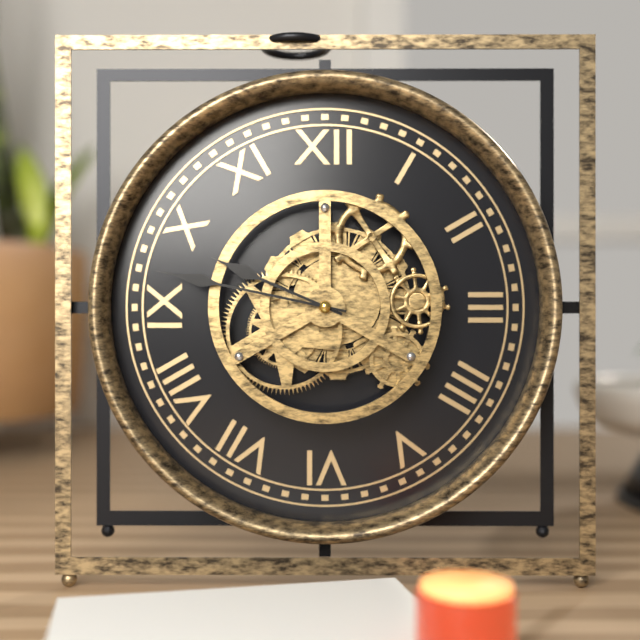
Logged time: 9.47
